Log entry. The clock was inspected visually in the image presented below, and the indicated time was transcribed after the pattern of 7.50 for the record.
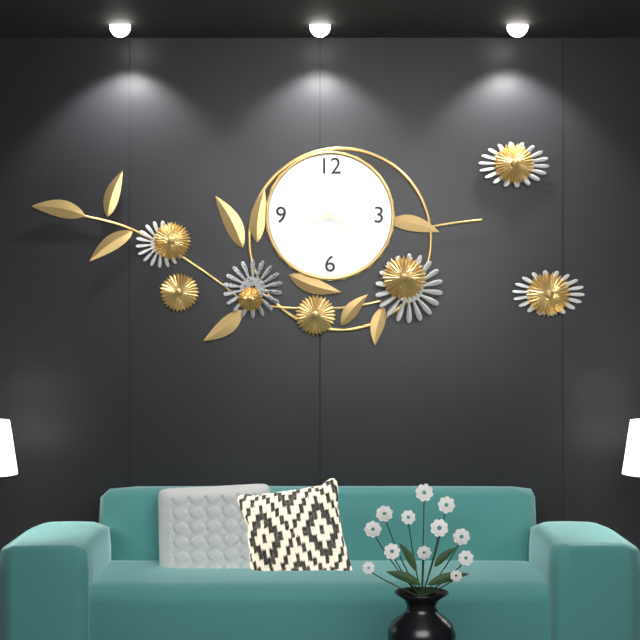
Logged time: 8.20
